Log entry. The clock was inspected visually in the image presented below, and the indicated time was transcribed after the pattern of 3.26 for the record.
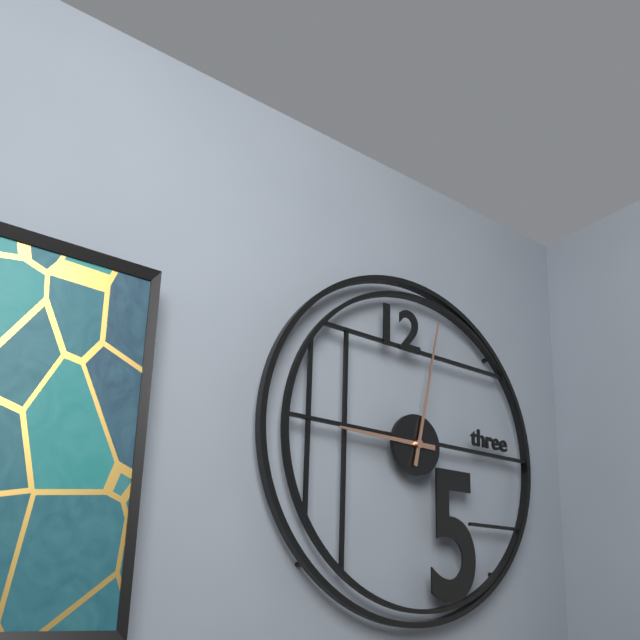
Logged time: 9.02
